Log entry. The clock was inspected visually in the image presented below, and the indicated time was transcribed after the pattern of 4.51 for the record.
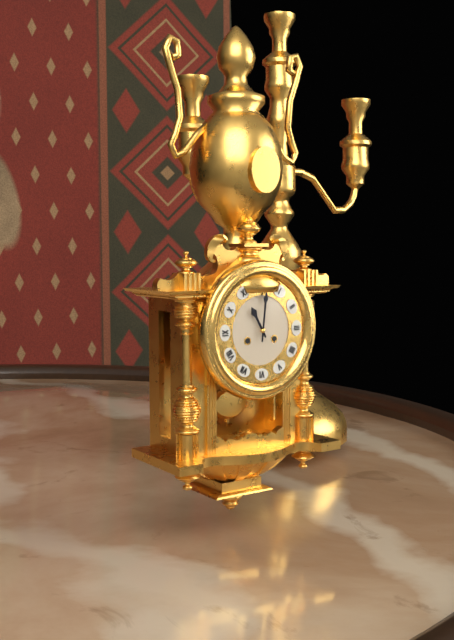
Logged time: 11.01
